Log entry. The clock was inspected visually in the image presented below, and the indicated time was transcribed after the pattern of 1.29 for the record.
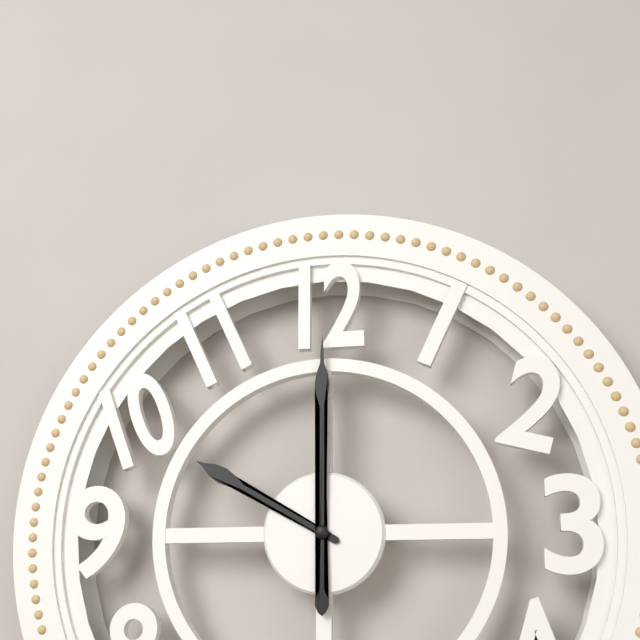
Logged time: 10.00
